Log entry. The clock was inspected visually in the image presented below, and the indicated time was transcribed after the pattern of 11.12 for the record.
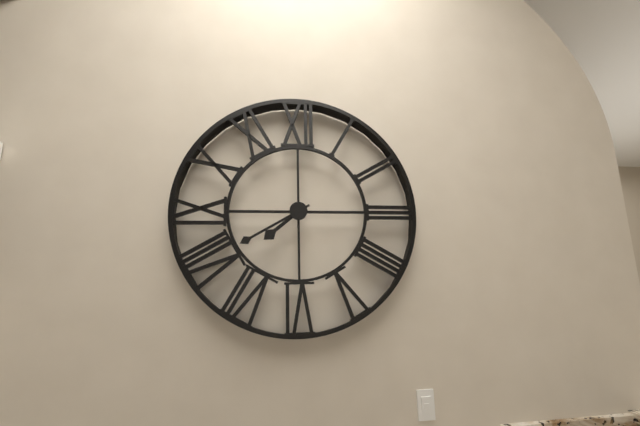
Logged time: 7.40
